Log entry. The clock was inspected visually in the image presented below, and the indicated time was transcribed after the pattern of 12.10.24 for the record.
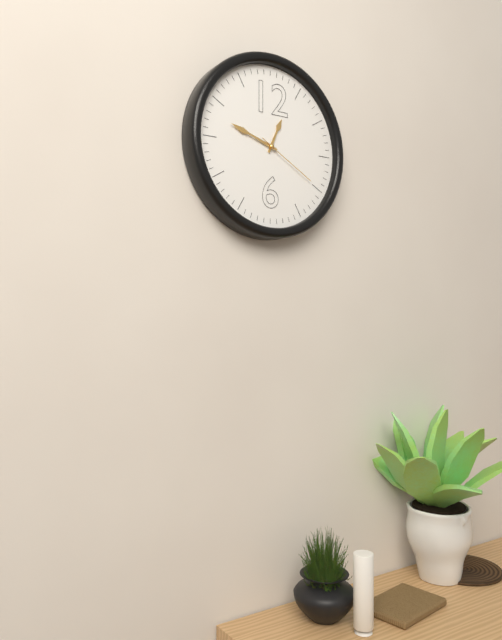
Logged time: 12.48.20
